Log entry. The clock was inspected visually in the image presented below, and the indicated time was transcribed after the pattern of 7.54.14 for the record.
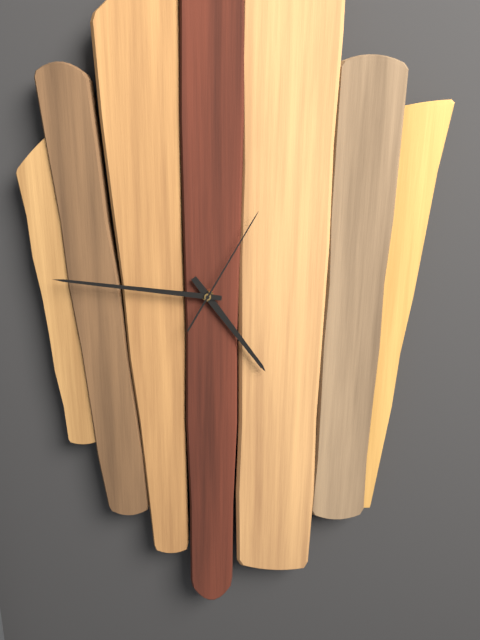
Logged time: 4.46.05
